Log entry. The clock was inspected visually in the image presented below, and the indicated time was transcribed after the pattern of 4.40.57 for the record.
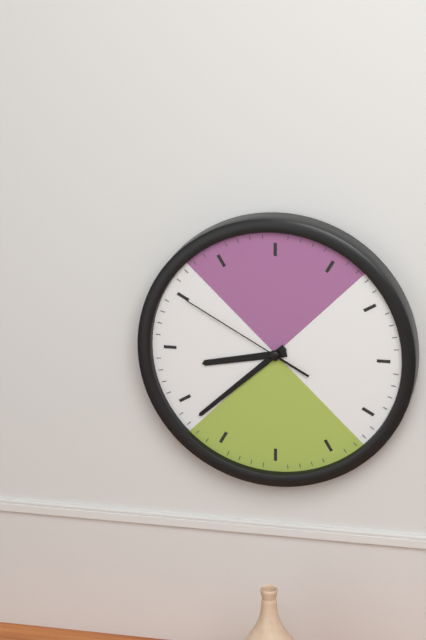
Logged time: 8.38.50
